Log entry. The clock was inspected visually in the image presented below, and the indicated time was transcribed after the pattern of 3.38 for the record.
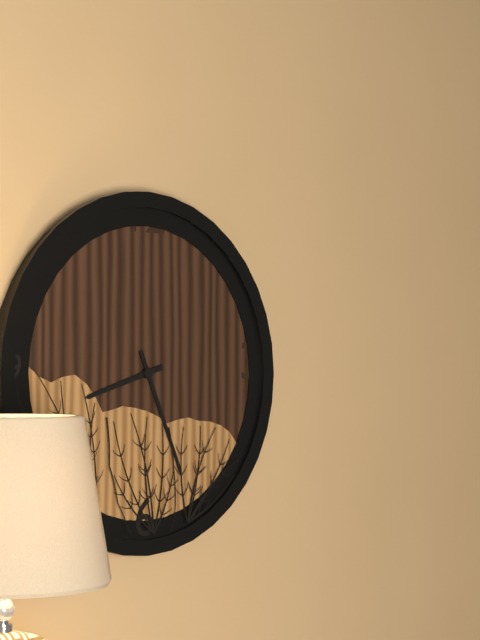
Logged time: 8.26
